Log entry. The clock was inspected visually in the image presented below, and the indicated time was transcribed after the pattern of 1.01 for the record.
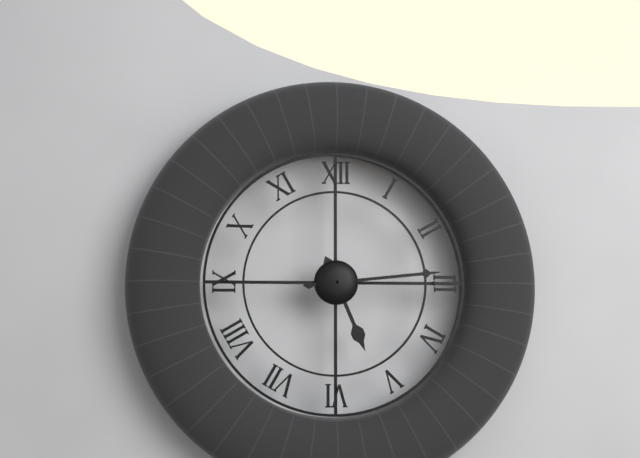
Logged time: 5.14
